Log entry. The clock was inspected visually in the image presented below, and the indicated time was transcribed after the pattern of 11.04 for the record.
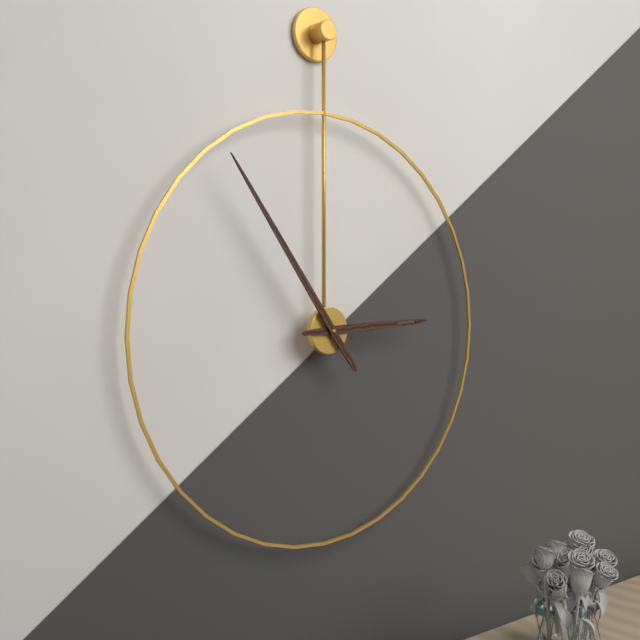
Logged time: 2.54
